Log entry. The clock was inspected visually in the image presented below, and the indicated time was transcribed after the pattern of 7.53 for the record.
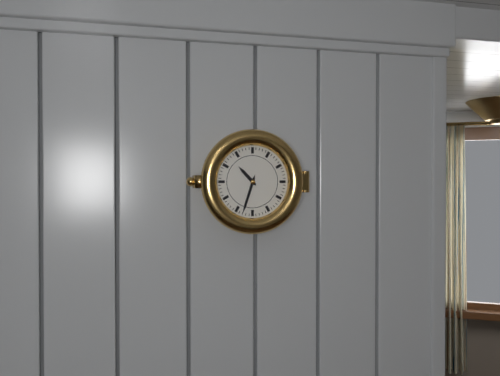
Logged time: 10.33
